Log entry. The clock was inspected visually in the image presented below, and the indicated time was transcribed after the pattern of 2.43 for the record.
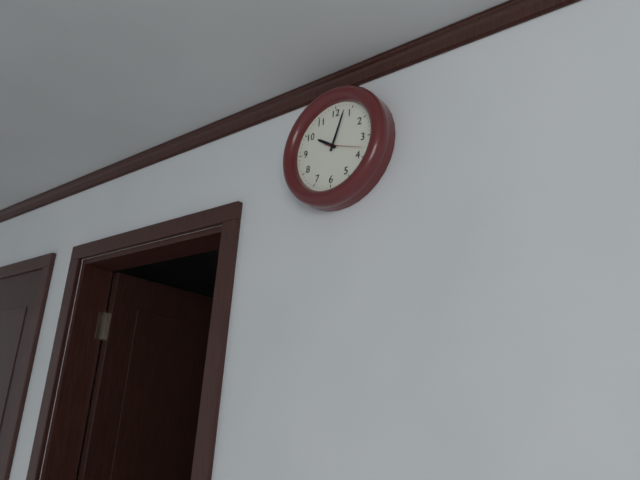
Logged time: 10.03
